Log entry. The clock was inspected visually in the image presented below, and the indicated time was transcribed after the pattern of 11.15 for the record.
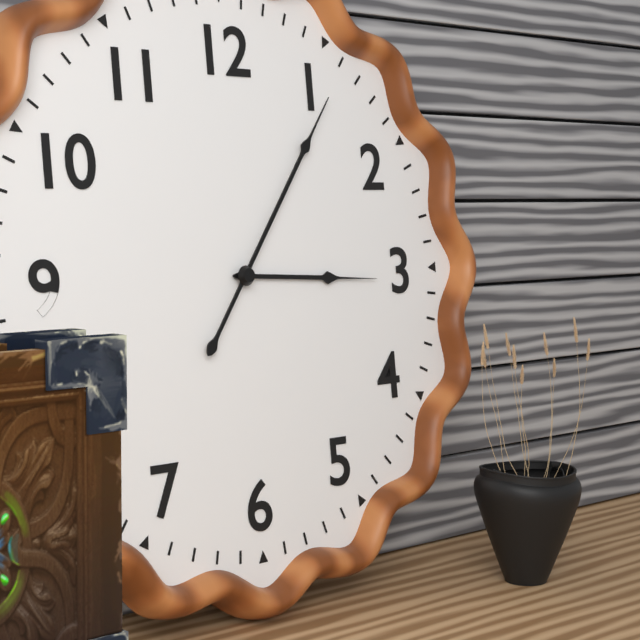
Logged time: 3.06
